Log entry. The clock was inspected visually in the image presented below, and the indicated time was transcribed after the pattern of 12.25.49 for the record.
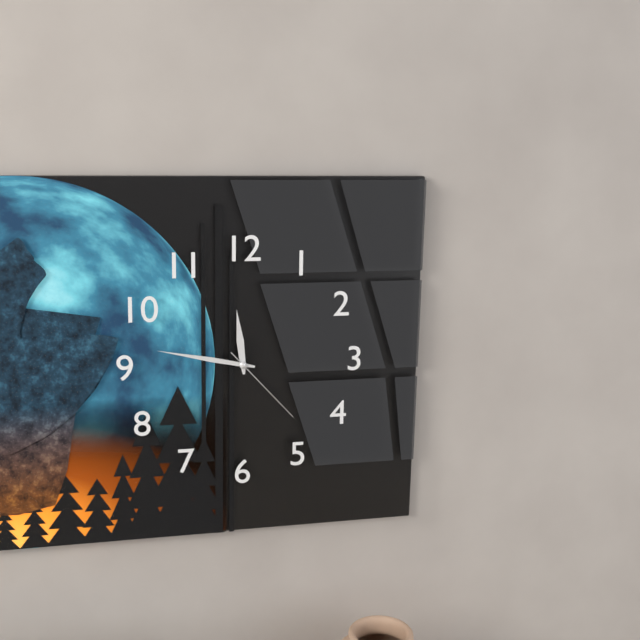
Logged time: 11.47.23
